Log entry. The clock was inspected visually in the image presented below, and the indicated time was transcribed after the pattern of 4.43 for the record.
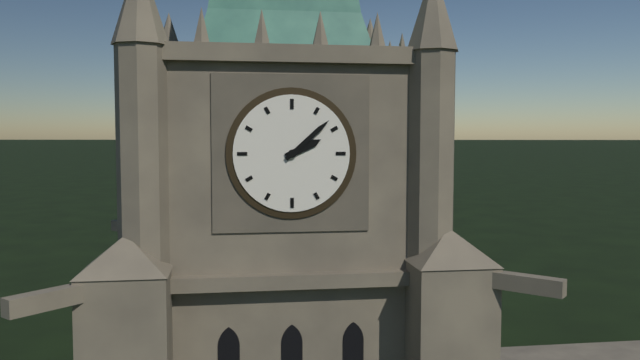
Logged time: 2.08
